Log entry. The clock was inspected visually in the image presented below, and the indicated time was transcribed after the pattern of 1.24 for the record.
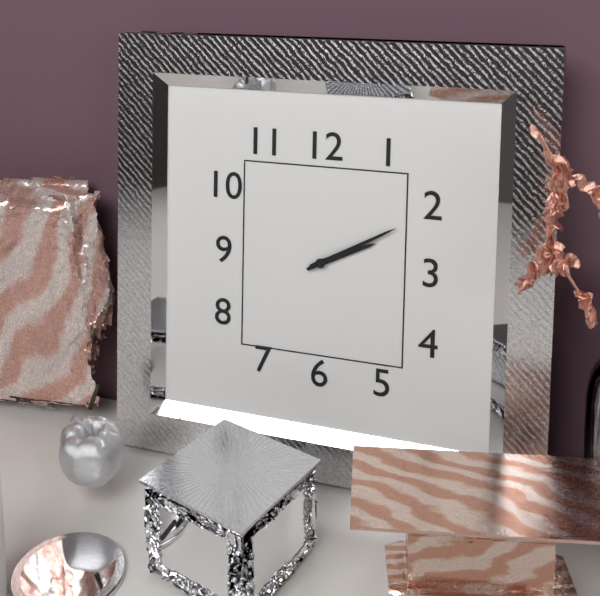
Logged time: 2.10
